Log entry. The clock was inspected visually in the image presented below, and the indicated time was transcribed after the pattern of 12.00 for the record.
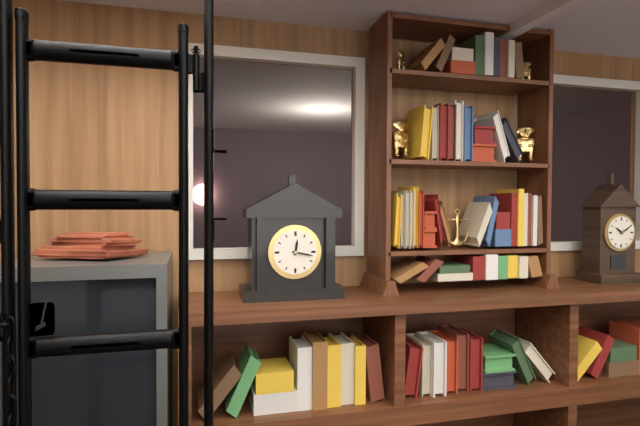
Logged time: 12.17
